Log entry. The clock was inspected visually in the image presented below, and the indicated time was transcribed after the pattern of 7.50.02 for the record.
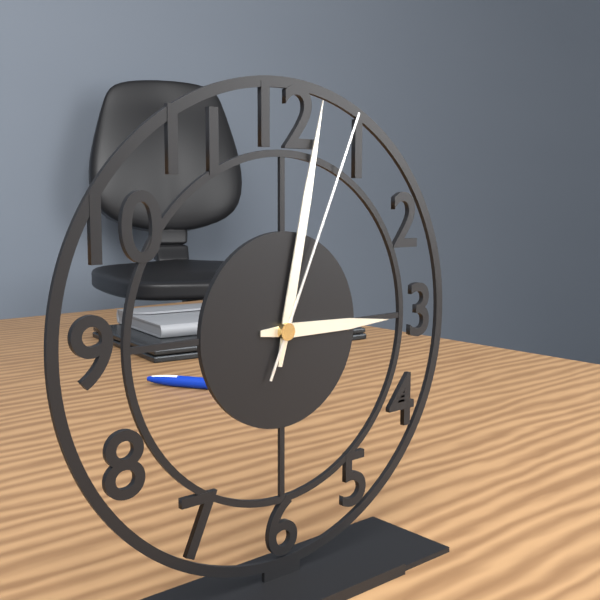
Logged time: 3.02.04
